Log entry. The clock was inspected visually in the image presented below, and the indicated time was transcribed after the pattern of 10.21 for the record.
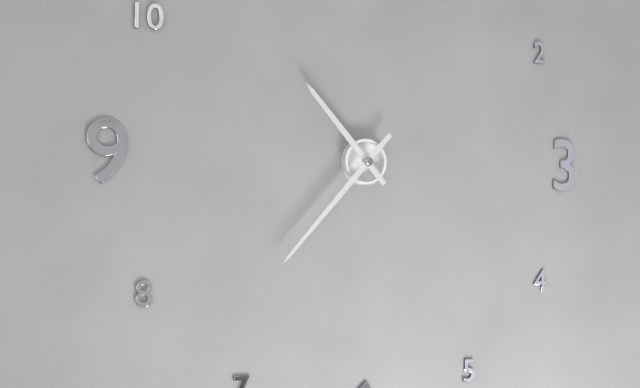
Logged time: 10.37
